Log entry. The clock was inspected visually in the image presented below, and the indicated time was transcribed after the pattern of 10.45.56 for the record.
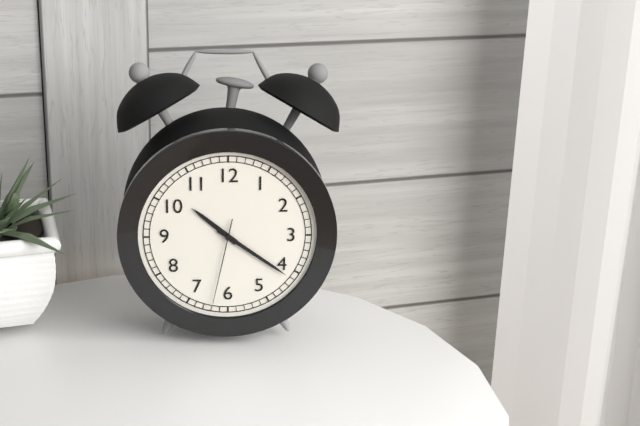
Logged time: 10.21.32
